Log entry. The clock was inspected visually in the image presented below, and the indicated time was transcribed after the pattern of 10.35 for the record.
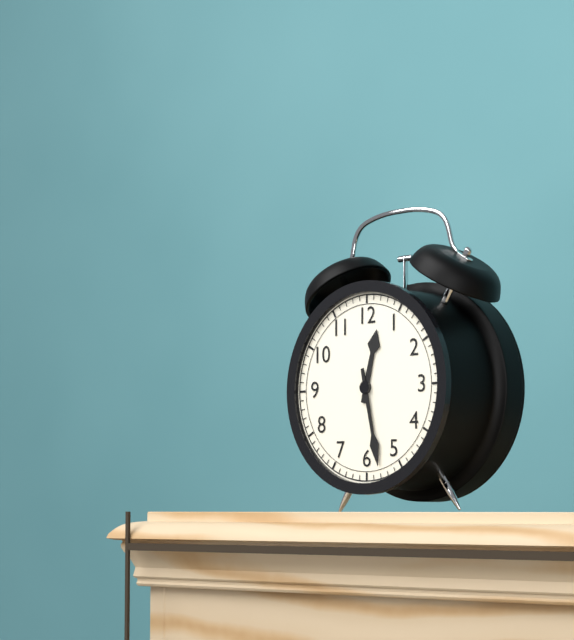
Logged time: 12.28
